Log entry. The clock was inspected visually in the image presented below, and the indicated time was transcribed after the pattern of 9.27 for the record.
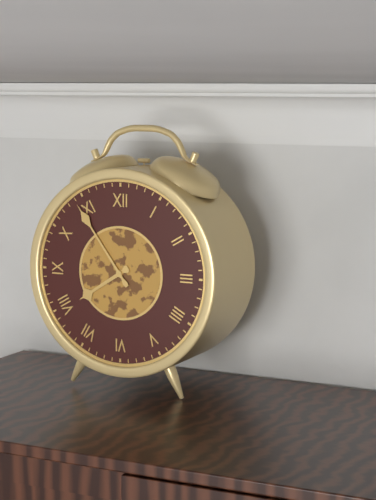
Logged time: 7.54
